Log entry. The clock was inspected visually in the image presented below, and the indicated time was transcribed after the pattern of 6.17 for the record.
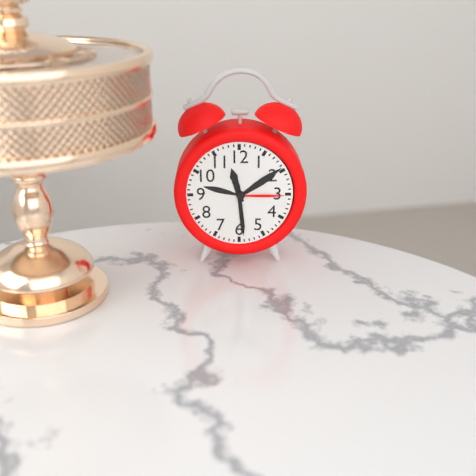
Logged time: 11.29
